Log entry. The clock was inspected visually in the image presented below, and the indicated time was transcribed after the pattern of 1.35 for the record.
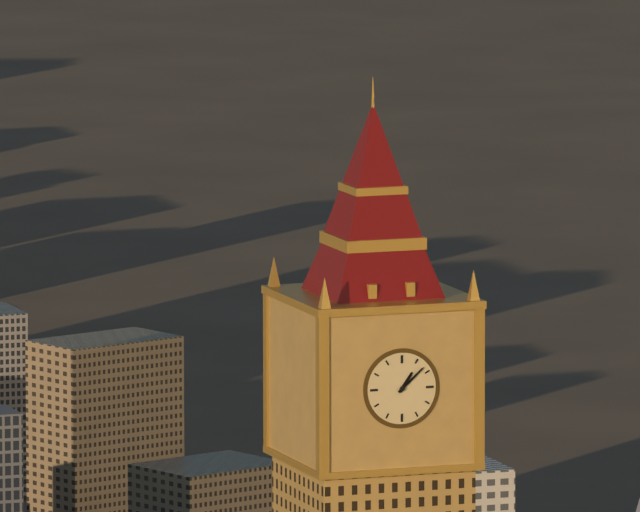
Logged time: 1.08
